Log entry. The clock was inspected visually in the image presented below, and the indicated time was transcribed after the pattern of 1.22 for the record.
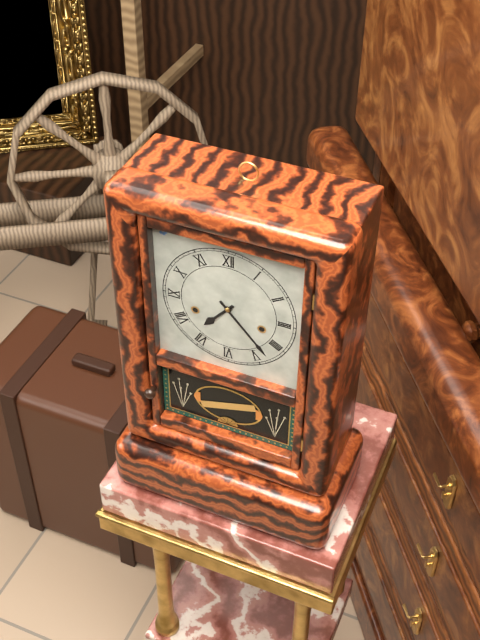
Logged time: 7.23
